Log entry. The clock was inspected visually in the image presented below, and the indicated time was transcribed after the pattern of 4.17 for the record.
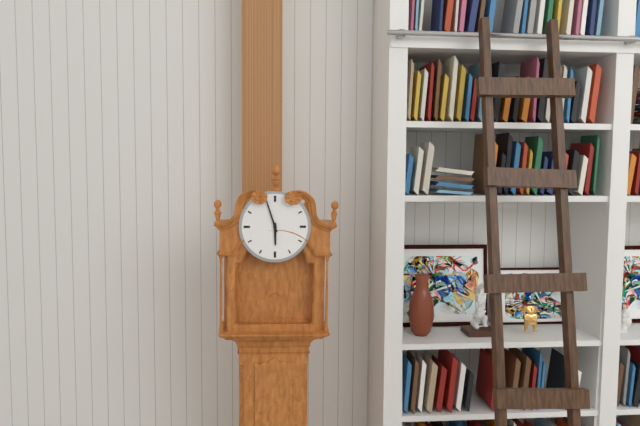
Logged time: 5.57
